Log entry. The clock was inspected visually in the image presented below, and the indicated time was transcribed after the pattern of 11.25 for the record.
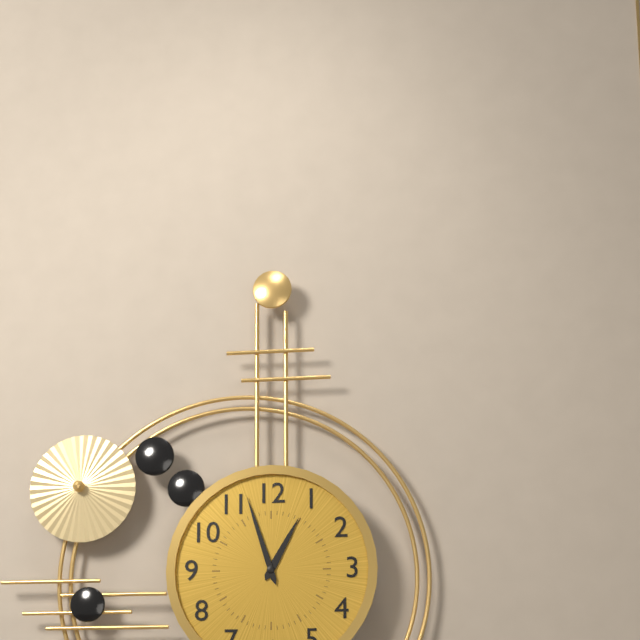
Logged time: 12.57
